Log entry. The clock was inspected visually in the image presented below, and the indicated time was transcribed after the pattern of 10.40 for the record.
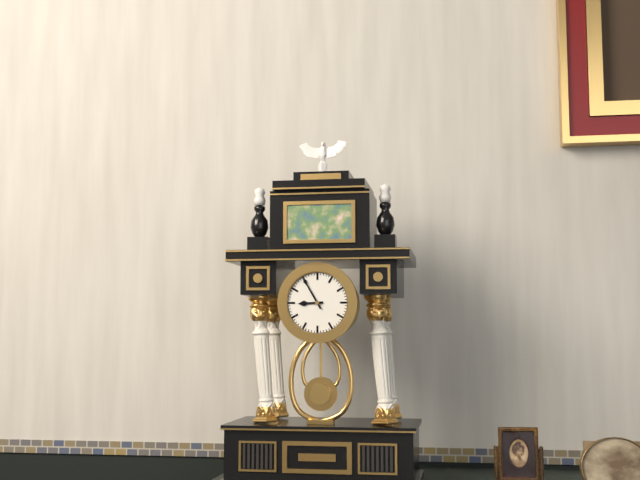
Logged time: 8.55
